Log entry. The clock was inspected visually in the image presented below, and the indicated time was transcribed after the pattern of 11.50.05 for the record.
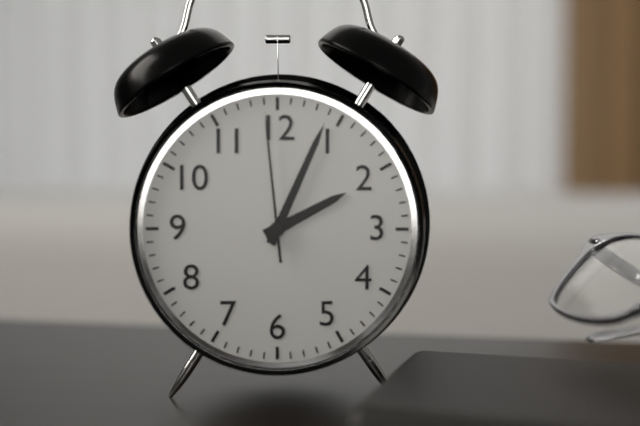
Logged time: 2.04.59
